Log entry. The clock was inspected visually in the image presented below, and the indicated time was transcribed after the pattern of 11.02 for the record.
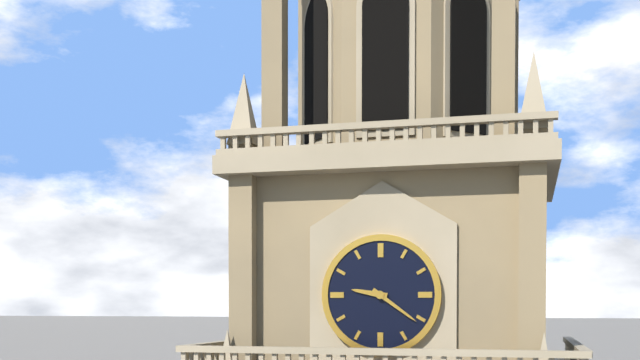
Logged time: 9.21
